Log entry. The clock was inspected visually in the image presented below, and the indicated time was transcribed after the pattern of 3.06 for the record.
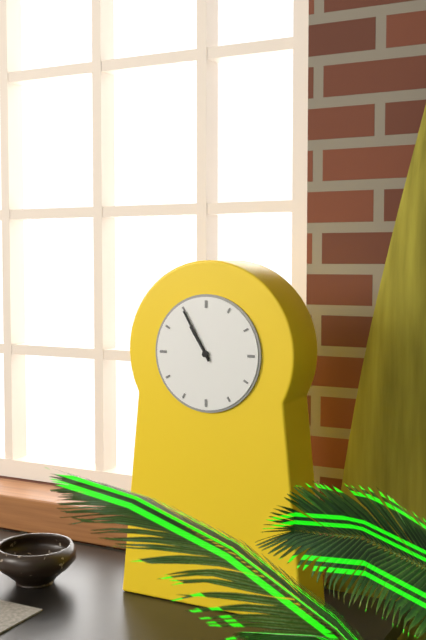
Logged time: 10.55
